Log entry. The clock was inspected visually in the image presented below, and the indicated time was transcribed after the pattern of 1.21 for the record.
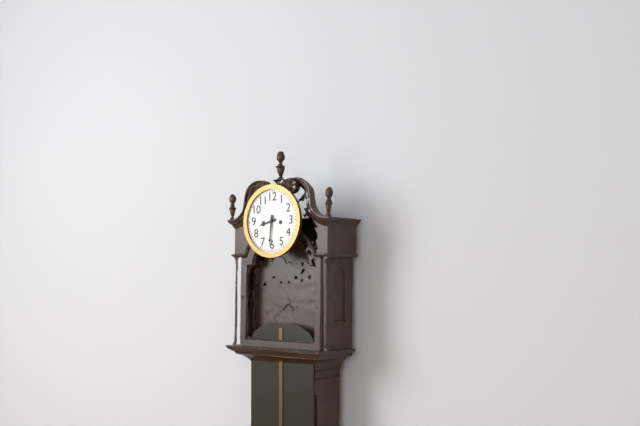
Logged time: 8.31
